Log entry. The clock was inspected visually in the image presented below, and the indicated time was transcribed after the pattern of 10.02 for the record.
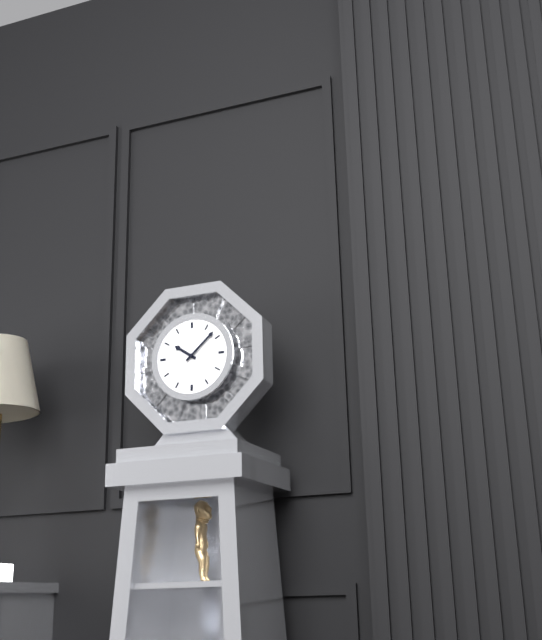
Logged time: 10.08
